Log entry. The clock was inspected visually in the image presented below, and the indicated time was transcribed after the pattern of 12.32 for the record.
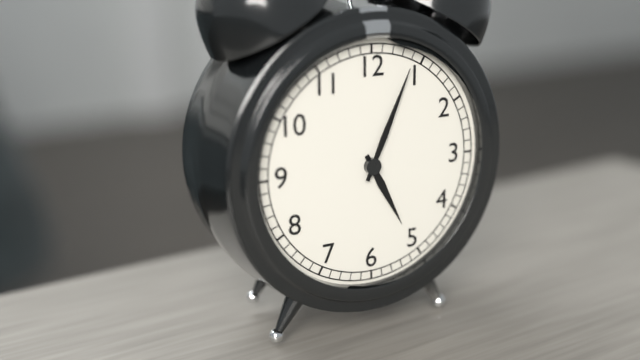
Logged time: 5.04
